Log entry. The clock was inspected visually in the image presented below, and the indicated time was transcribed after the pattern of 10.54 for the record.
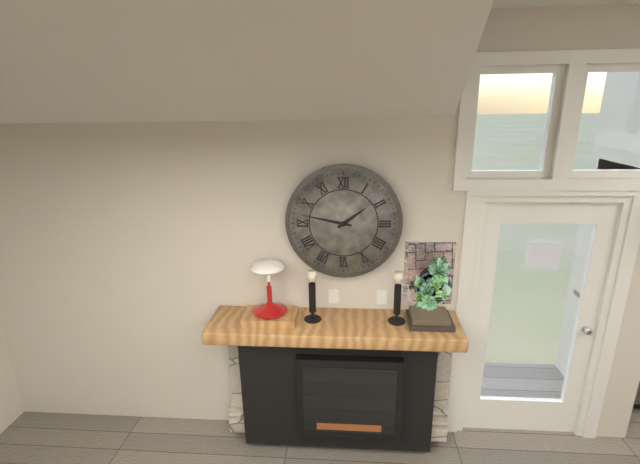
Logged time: 1.47
